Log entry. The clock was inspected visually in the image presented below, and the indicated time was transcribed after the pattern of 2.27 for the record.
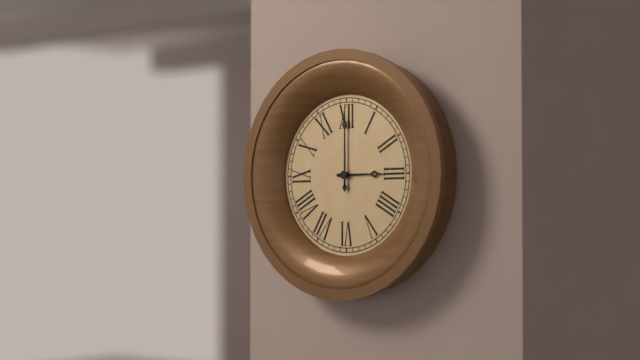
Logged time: 3.00
